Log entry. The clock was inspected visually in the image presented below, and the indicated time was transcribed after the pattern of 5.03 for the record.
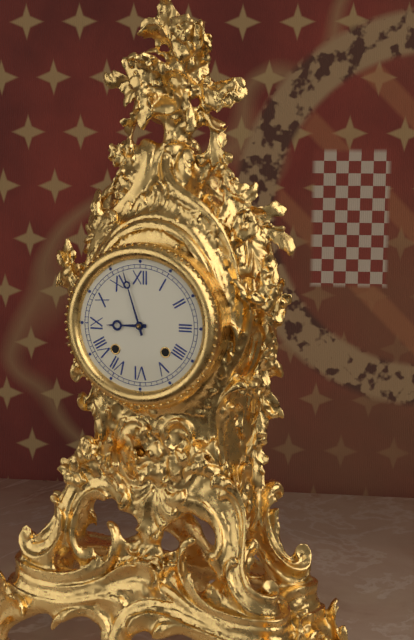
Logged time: 8.57
